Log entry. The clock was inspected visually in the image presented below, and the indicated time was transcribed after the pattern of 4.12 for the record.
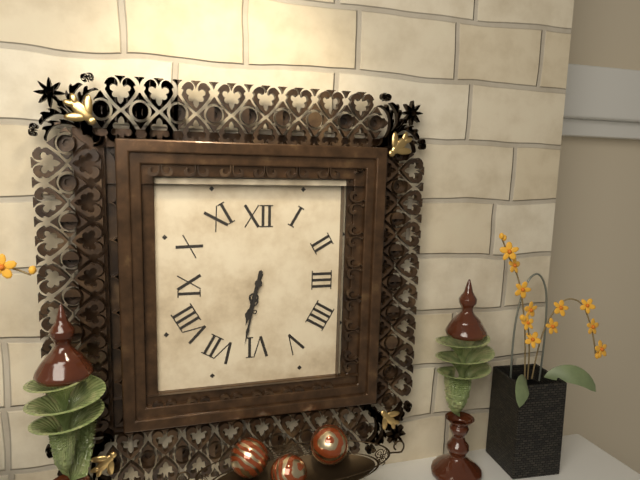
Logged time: 6.32
